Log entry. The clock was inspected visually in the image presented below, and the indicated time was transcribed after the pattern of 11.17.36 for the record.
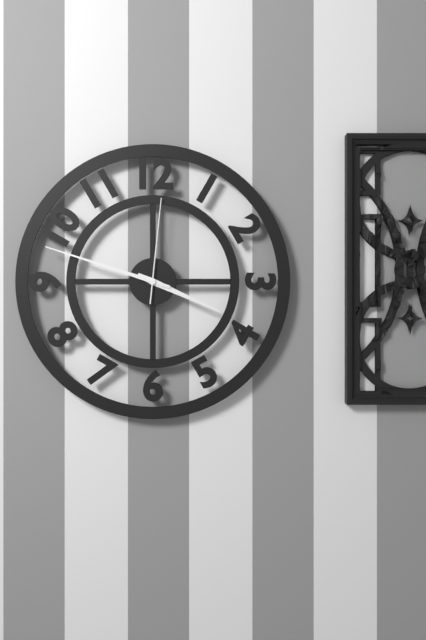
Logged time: 3.48.01
